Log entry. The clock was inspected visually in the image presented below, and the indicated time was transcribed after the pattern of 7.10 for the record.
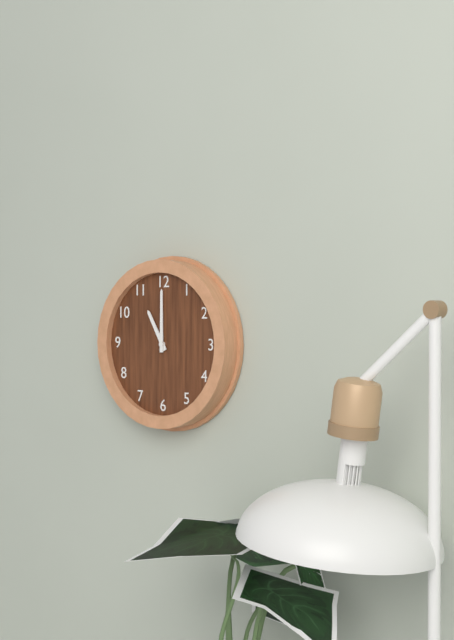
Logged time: 11.00
